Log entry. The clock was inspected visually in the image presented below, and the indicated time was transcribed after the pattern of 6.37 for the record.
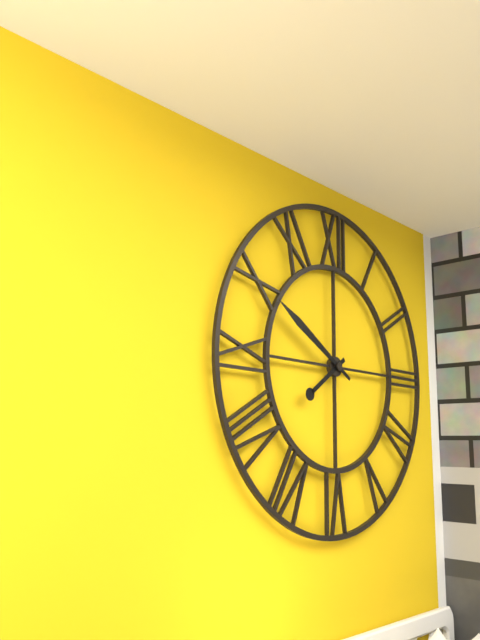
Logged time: 7.50
